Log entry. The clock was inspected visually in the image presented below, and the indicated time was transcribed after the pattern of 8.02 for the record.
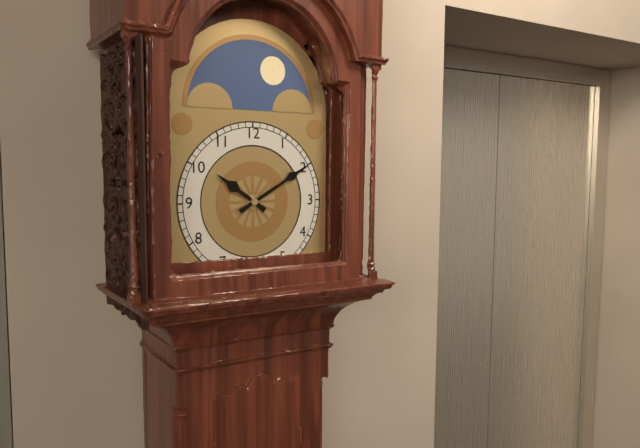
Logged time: 10.10
